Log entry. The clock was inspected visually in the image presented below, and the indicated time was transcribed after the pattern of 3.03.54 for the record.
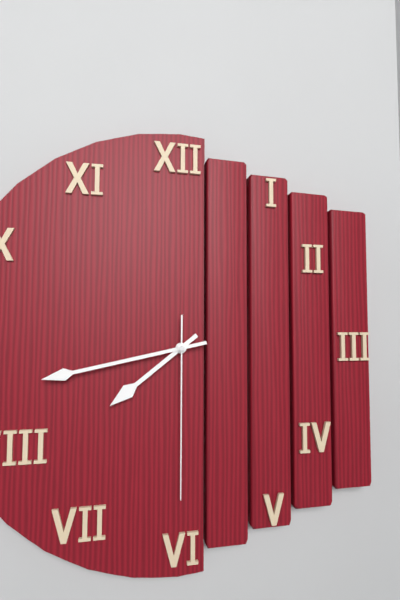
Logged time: 7.43.30
